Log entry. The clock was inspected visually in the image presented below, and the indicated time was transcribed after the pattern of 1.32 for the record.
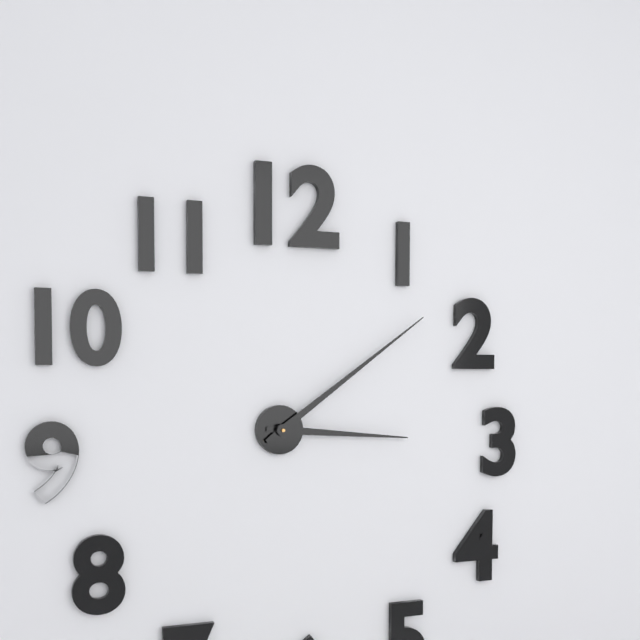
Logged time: 3.09
